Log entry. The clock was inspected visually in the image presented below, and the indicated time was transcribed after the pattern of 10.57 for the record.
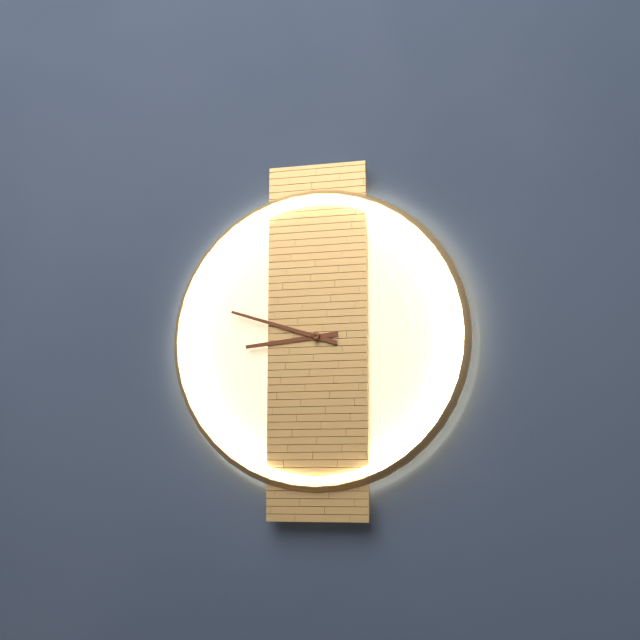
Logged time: 8.48
